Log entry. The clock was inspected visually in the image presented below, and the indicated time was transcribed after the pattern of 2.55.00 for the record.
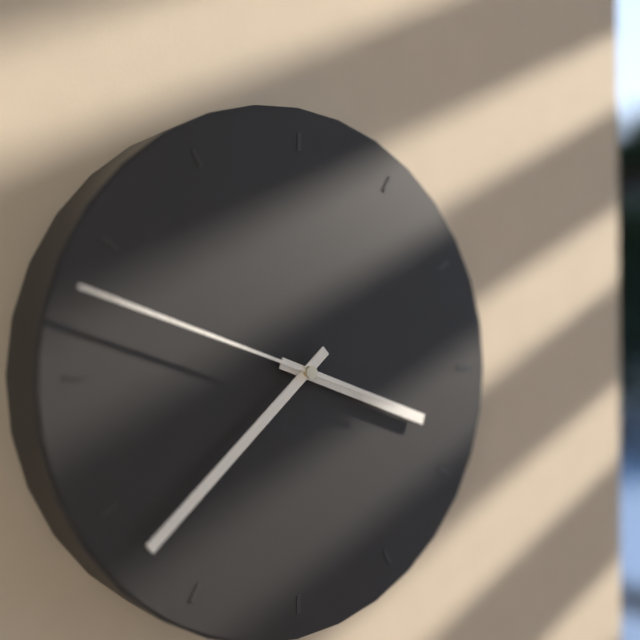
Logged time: 3.38.48
